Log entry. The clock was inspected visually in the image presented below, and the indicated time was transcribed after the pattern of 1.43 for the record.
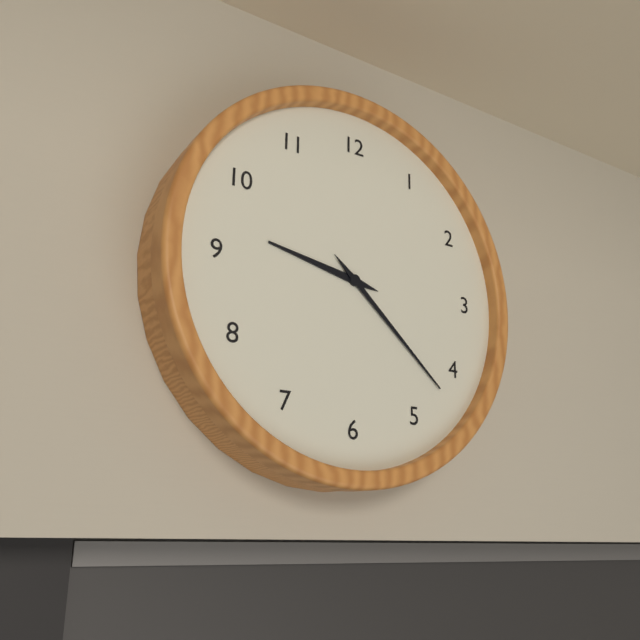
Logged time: 9.22
